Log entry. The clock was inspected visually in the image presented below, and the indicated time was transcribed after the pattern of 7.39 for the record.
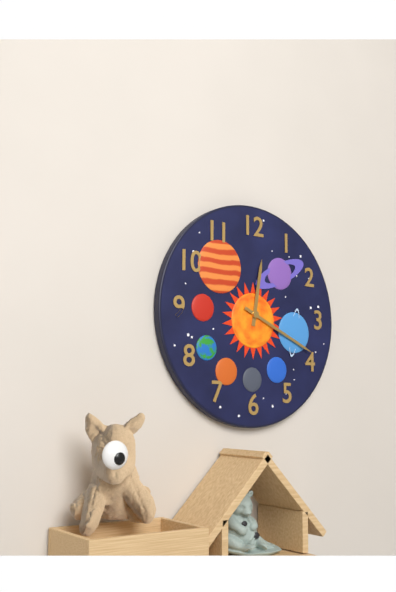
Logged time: 12.19
